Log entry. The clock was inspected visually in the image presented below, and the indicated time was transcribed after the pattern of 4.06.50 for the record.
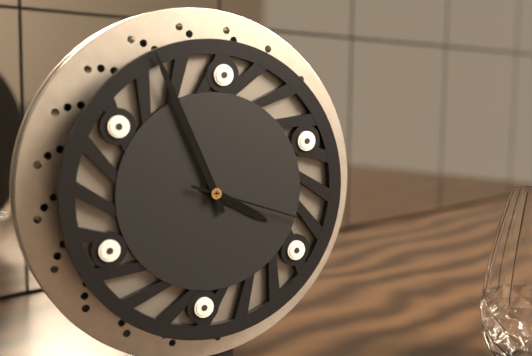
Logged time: 3.56.18
